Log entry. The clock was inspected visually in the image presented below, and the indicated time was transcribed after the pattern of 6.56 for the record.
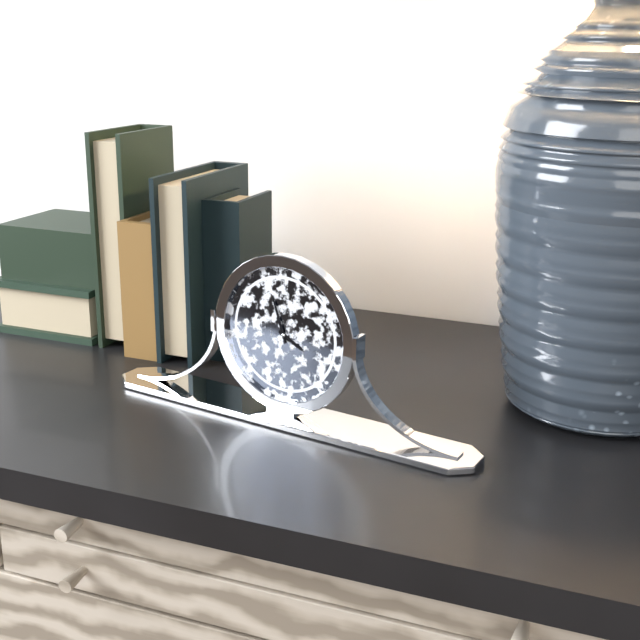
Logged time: 3.57
